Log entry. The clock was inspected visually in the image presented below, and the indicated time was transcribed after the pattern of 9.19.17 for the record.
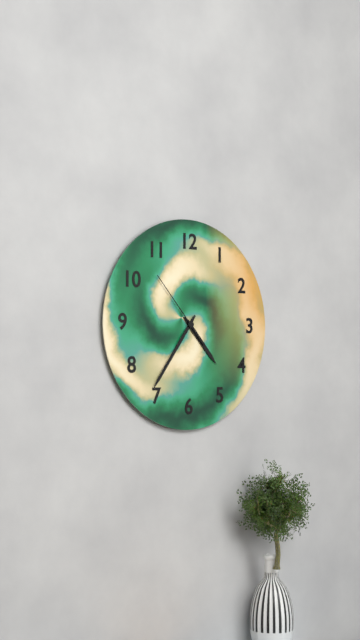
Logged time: 4.36.53
